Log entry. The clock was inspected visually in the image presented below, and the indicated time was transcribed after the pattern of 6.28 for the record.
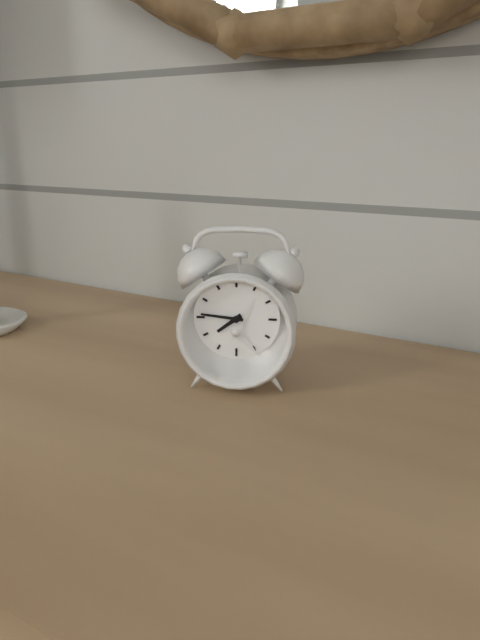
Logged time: 7.46
